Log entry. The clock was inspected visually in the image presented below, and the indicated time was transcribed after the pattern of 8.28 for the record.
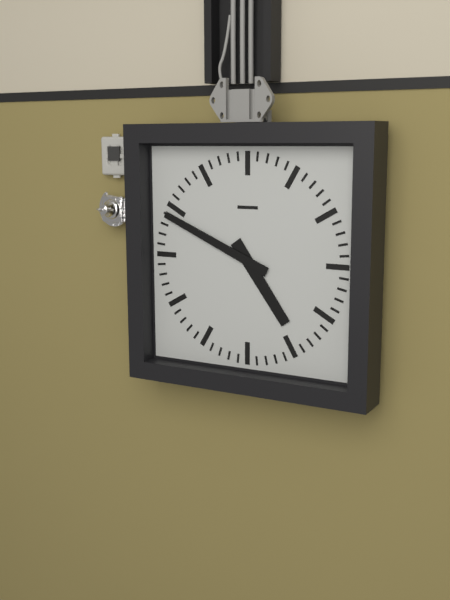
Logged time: 4.49
